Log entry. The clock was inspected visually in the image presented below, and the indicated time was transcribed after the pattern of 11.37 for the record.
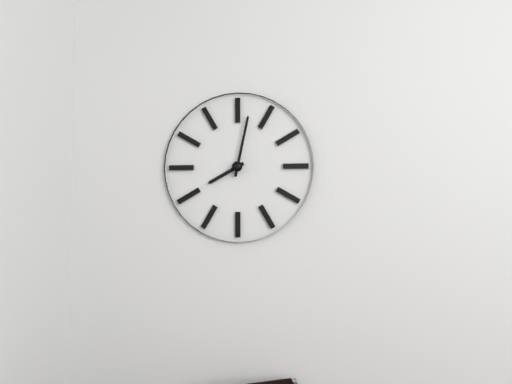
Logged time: 8.02
